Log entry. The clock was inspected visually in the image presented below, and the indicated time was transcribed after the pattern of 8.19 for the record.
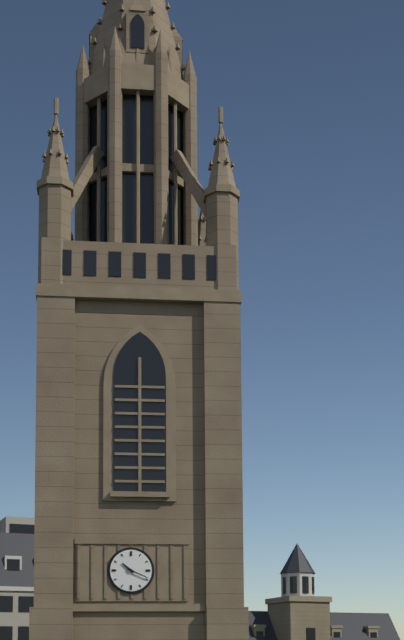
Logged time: 10.19
